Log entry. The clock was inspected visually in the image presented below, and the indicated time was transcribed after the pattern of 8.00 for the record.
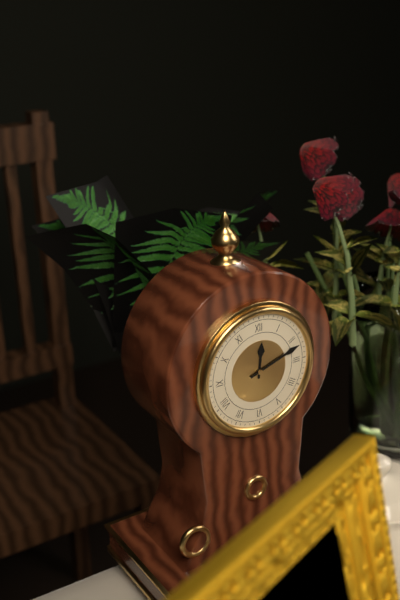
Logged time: 12.12
